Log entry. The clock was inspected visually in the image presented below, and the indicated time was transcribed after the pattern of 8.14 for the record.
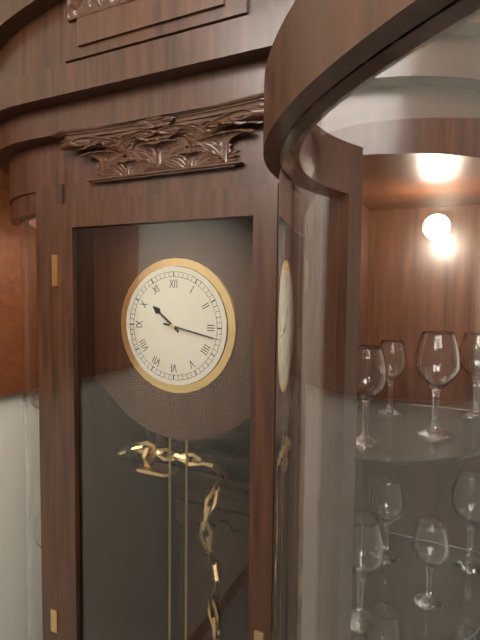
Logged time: 10.17
